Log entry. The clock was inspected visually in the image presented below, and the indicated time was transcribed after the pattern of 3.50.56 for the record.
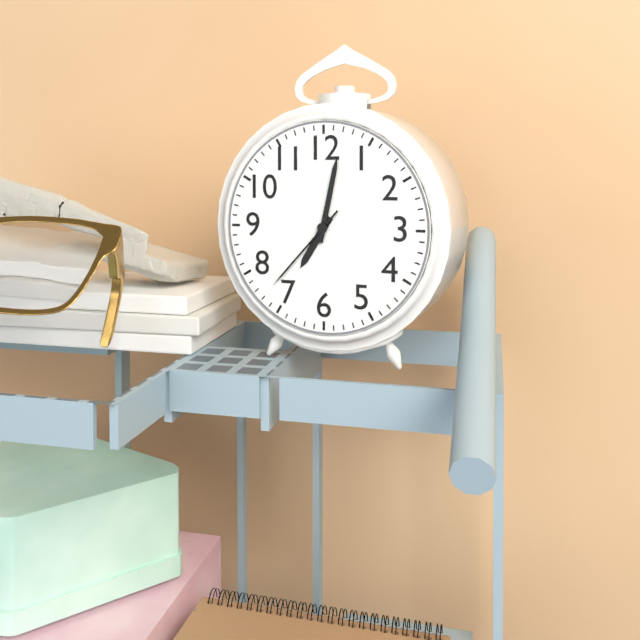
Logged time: 7.02.37
